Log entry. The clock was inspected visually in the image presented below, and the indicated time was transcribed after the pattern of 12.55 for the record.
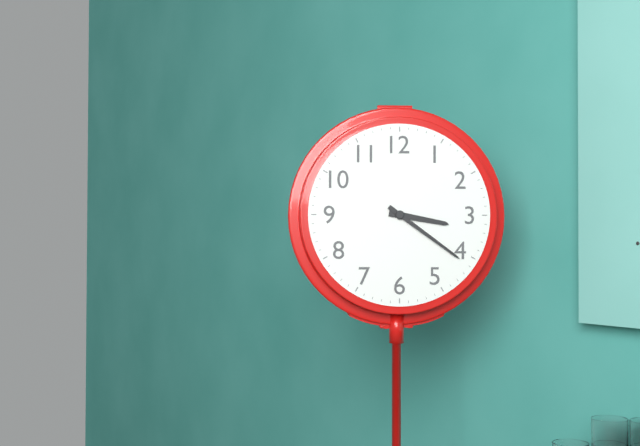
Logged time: 3.21
